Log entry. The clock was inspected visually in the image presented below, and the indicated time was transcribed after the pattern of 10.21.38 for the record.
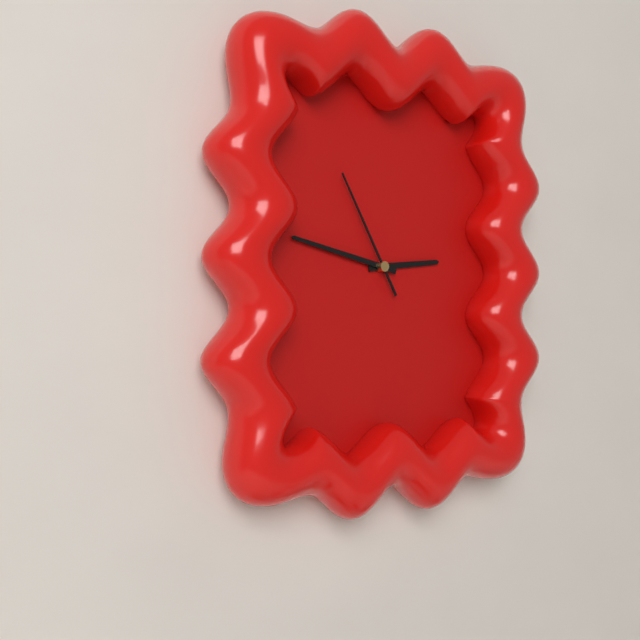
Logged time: 2.47.55
